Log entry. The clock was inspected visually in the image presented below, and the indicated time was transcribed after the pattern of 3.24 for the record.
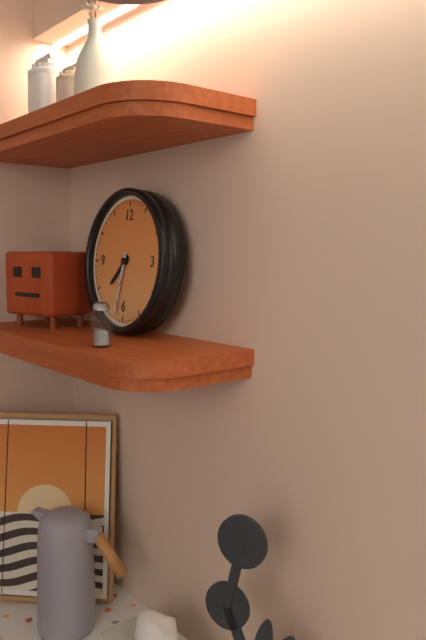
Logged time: 7.32
